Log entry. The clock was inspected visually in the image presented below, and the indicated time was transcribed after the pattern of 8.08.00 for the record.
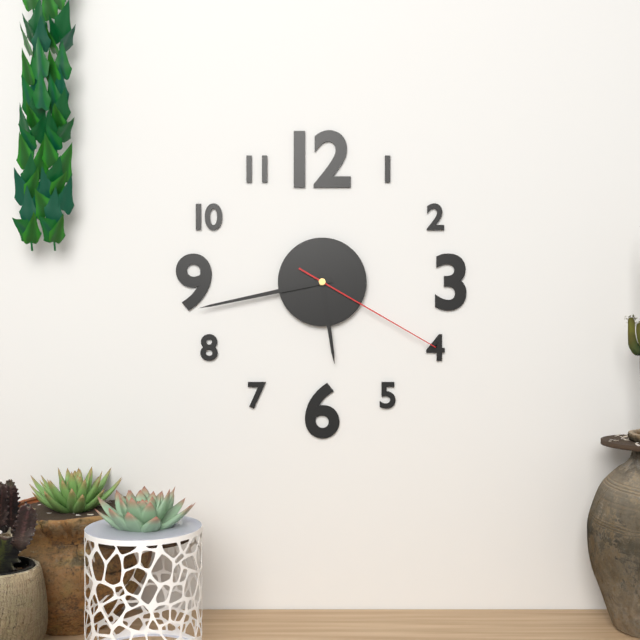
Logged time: 5.43.20
